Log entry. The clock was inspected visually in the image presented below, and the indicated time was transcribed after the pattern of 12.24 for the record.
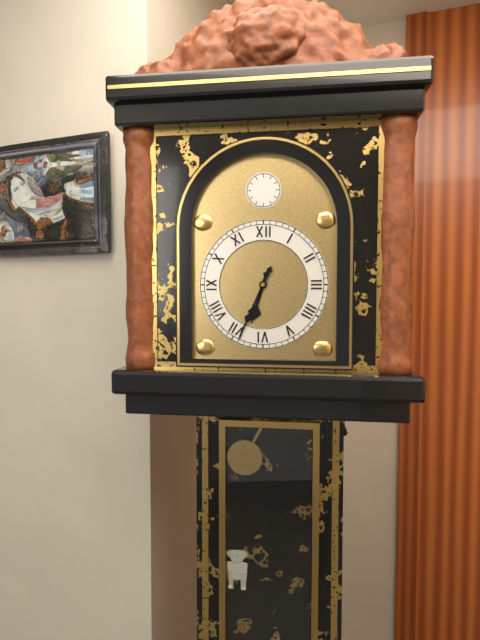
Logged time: 6.34
